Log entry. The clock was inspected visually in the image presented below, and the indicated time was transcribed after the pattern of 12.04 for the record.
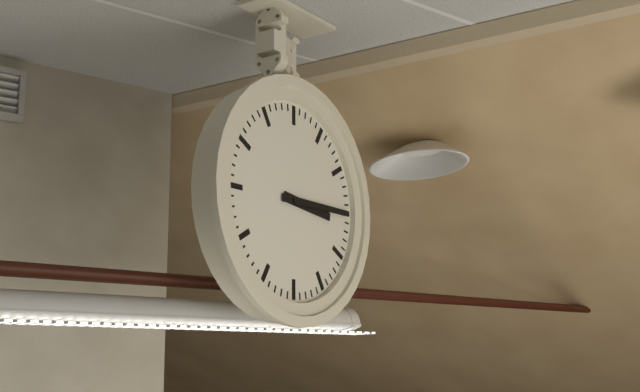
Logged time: 3.15
